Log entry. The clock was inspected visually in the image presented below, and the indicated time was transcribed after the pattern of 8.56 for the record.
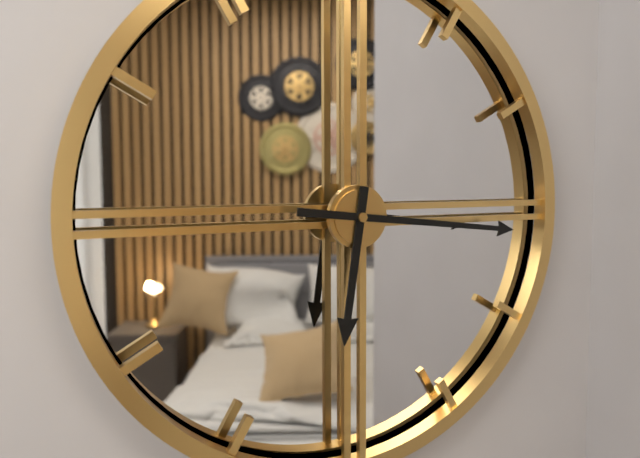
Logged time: 6.16
